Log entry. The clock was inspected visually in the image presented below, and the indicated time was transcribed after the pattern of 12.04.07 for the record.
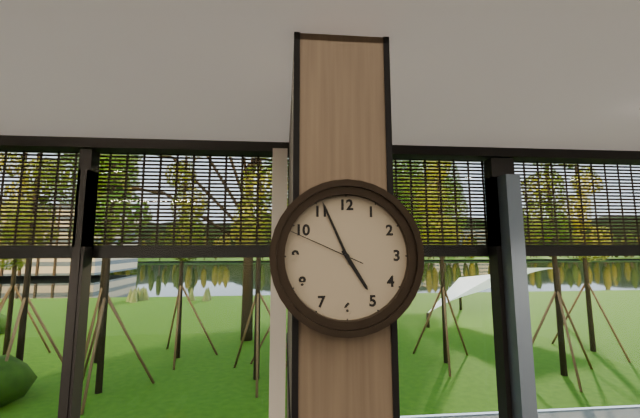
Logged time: 4.56.49
